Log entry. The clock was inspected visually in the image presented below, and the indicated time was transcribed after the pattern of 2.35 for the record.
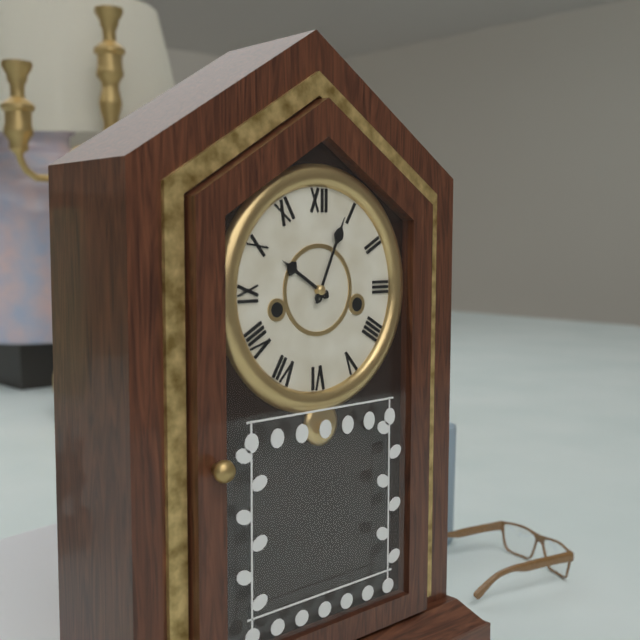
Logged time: 10.04
